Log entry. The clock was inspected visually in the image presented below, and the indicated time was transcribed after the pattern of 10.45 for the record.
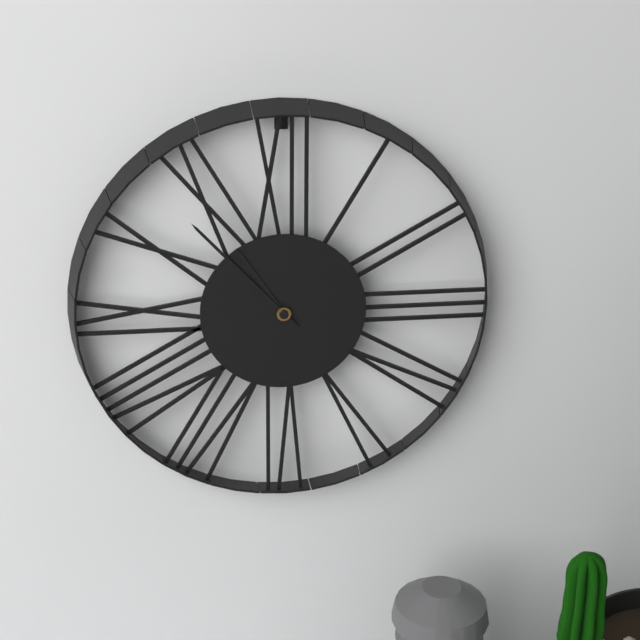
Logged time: 10.53
